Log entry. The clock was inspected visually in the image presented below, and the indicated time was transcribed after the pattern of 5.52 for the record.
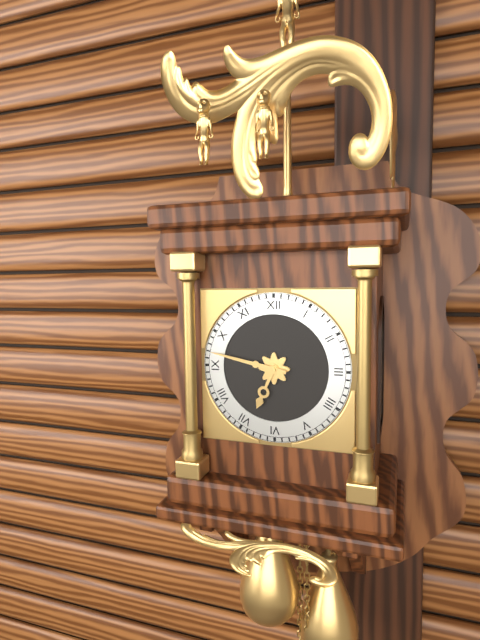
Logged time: 6.47
